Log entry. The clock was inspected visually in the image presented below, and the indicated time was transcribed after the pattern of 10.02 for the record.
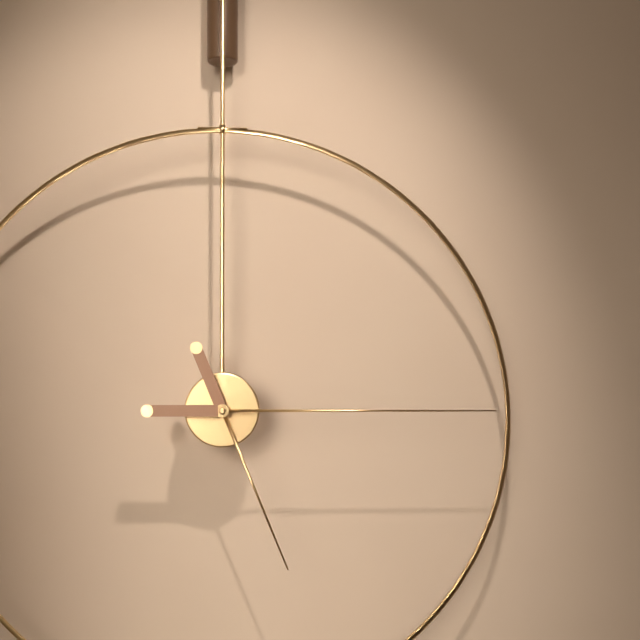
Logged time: 5.15
